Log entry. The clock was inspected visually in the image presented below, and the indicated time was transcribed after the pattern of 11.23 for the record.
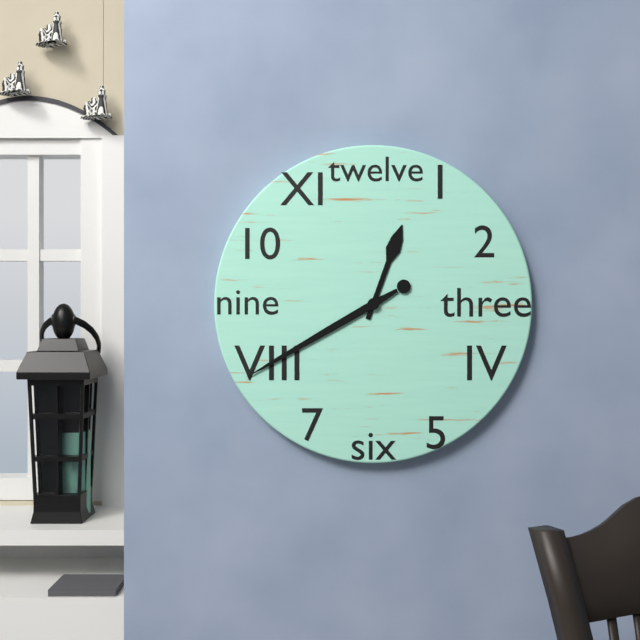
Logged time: 12.40
